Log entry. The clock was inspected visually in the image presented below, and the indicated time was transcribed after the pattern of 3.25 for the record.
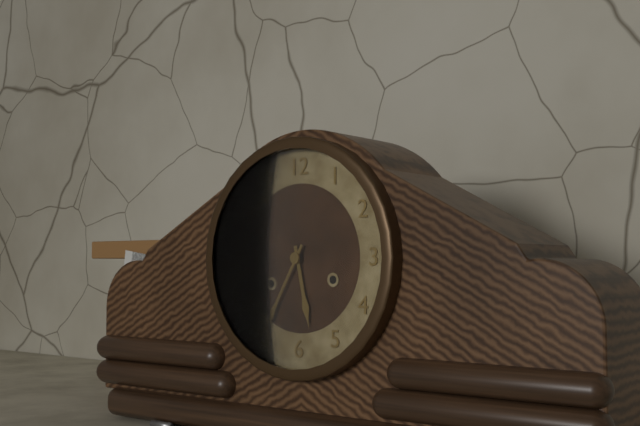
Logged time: 5.35
